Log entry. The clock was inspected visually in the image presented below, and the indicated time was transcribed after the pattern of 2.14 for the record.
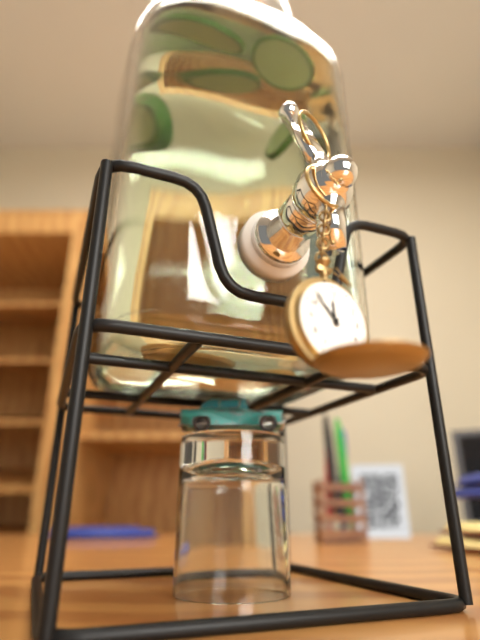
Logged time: 11.53
